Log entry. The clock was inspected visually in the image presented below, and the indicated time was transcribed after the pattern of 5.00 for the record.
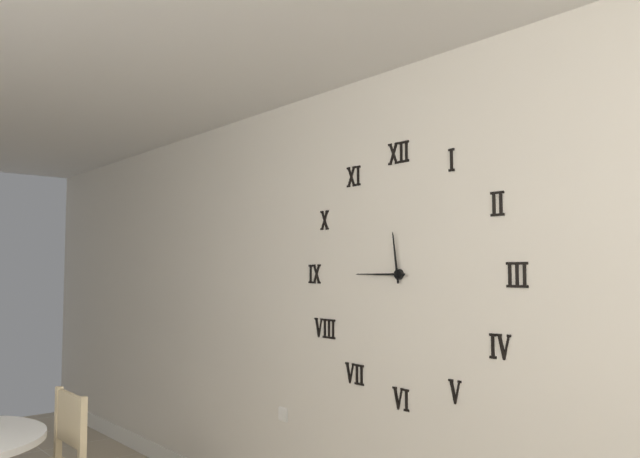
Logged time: 11.45
